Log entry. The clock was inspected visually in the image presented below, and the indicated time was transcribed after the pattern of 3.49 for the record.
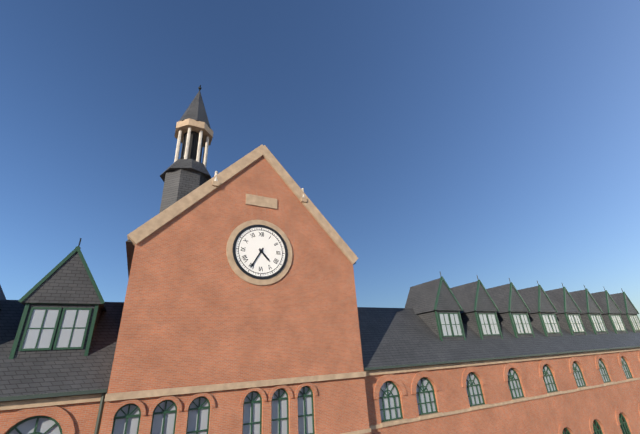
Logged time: 4.35
